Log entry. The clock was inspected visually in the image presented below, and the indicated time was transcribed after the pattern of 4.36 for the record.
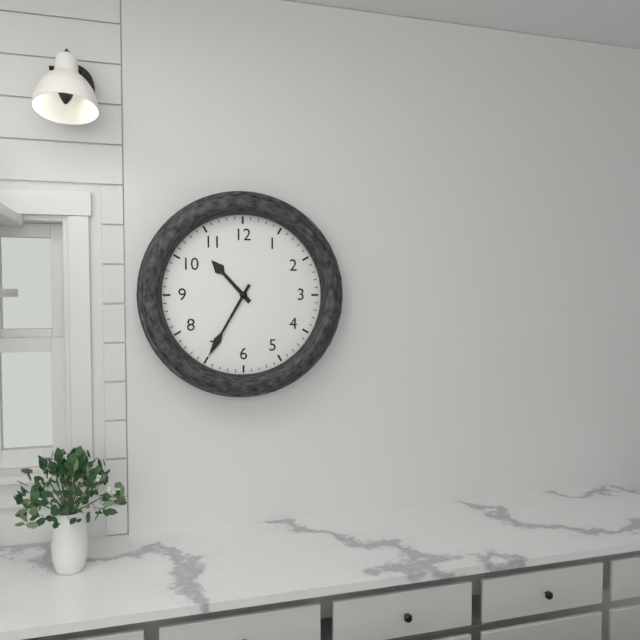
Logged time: 10.35
